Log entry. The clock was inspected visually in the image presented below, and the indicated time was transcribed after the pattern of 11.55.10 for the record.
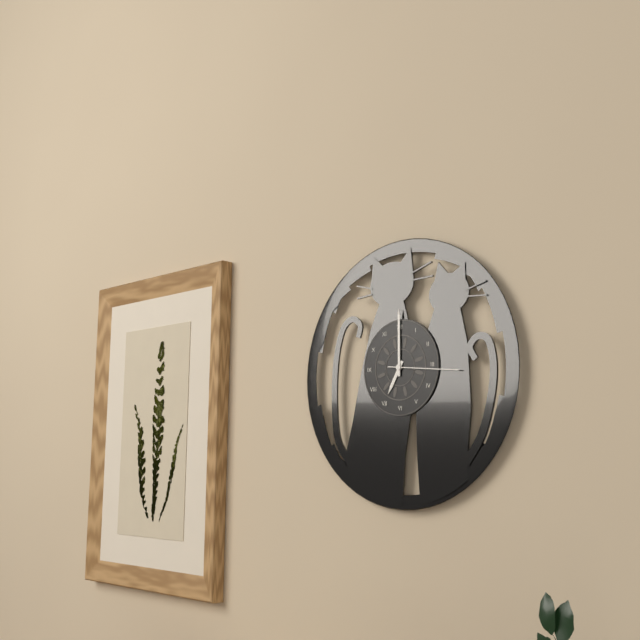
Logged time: 7.00.16
